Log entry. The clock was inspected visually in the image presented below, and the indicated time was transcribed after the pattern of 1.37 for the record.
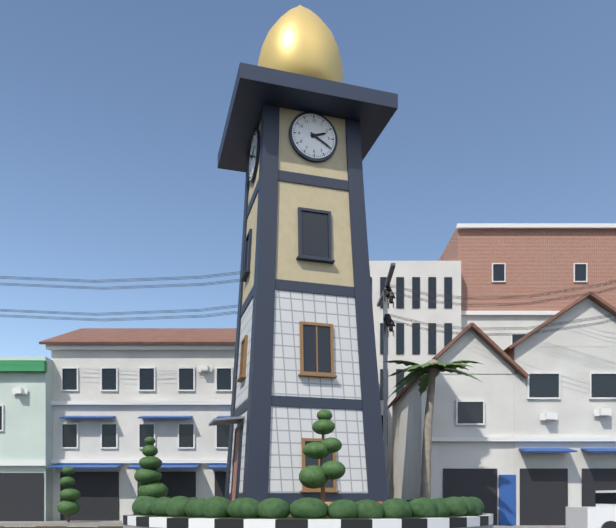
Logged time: 2.20
